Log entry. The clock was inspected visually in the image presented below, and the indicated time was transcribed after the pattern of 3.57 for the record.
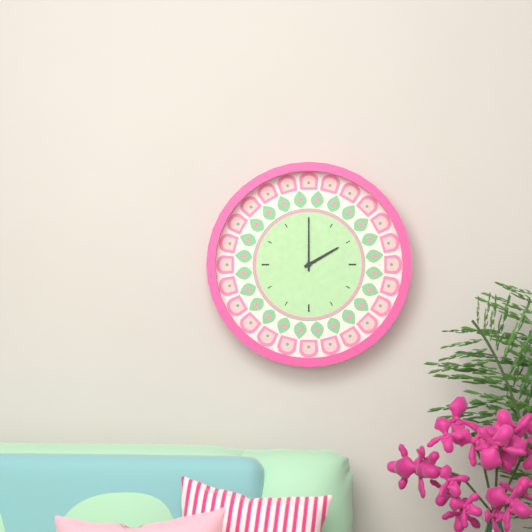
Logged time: 2.00
